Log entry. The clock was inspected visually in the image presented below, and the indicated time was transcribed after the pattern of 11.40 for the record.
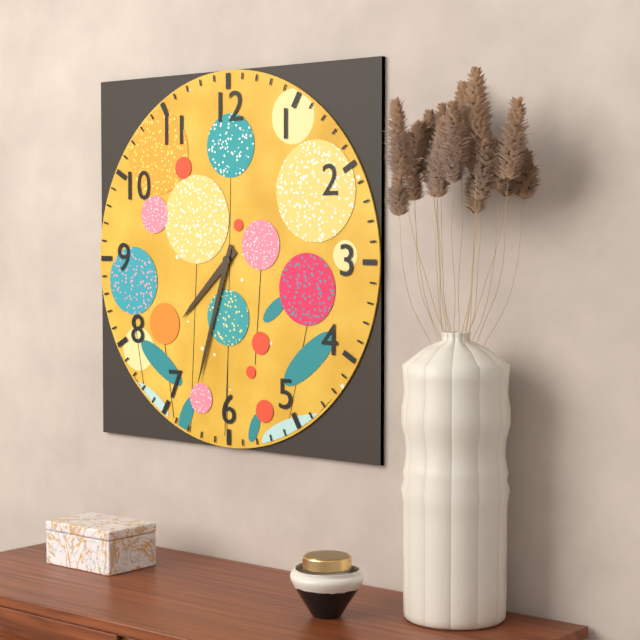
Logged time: 7.33
